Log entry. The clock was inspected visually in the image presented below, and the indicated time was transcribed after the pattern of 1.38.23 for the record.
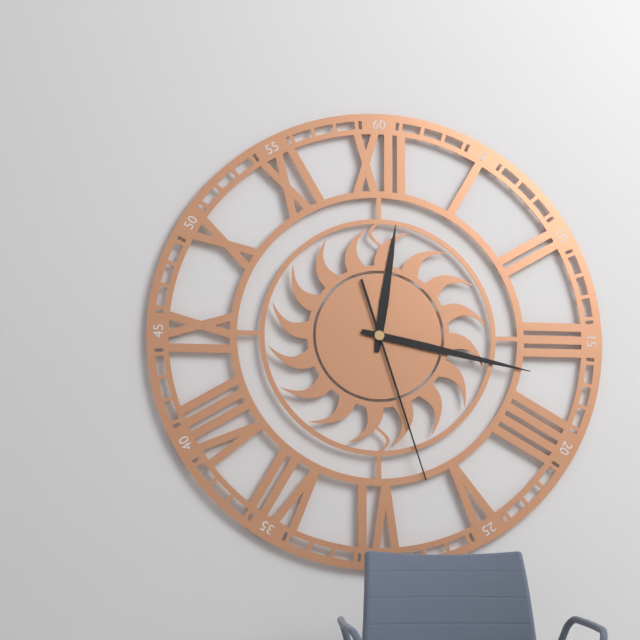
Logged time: 12.17.27
